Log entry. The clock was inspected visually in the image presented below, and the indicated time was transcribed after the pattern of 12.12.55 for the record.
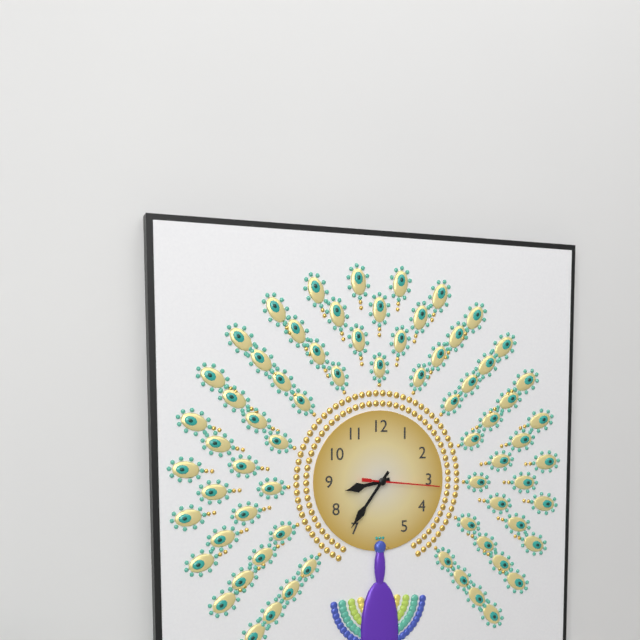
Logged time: 8.36.16
